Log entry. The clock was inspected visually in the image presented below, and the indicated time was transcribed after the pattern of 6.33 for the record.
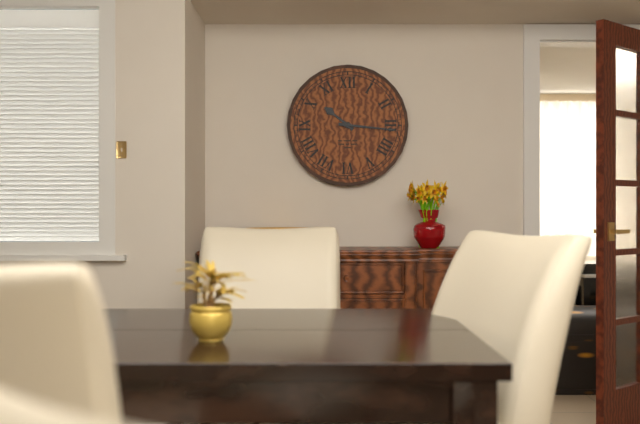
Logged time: 10.16
